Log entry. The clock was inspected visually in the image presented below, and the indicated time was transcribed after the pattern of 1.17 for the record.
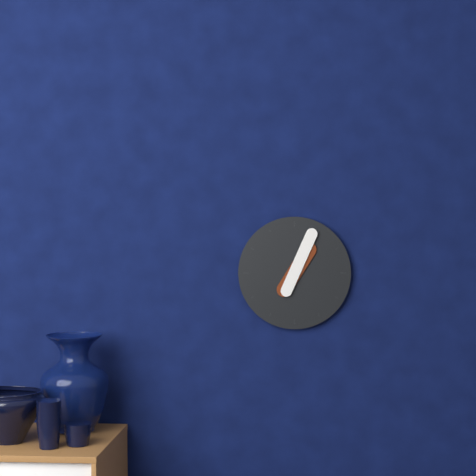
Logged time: 1.04
